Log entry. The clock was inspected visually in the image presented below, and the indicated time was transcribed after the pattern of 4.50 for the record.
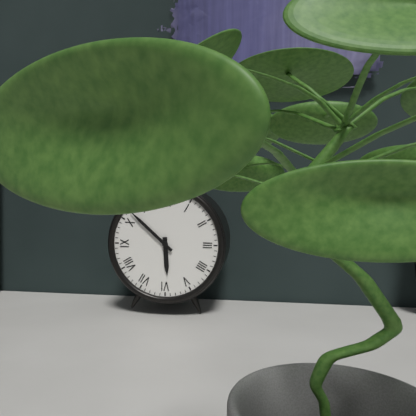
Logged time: 5.52
